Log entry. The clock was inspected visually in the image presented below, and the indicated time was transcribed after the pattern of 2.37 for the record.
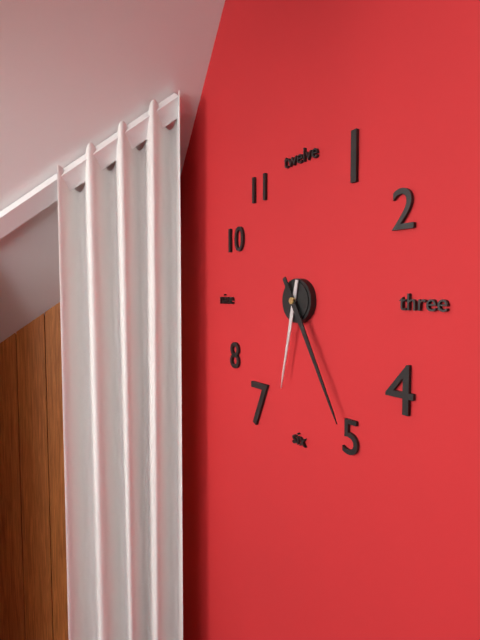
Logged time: 6.25
